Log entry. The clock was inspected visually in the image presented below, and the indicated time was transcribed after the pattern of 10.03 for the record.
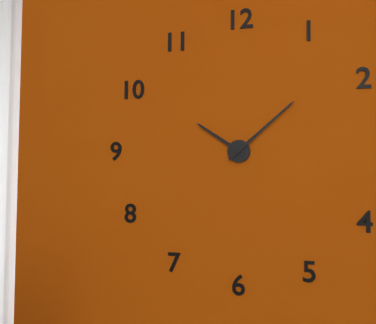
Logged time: 10.08
